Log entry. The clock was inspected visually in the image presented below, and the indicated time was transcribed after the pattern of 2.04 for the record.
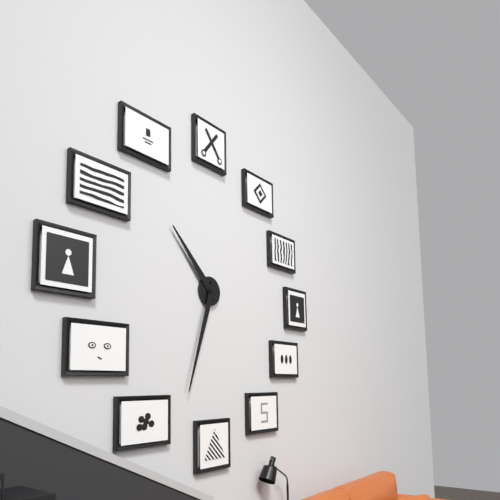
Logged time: 10.33
